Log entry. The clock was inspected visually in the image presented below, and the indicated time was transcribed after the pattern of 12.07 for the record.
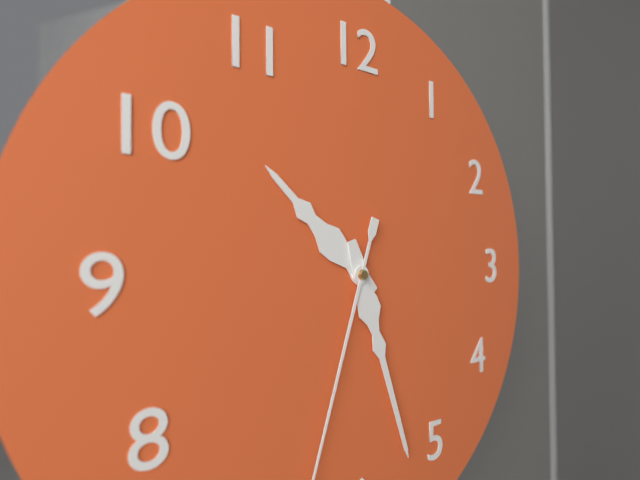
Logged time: 10.27
